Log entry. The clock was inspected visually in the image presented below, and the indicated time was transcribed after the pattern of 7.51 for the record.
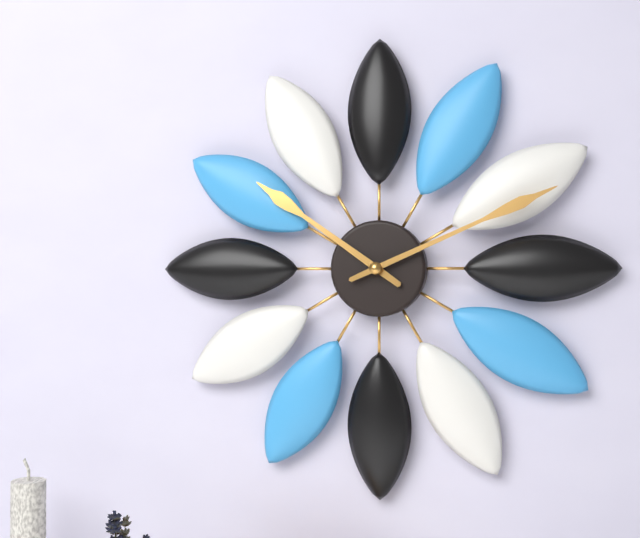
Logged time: 10.11
